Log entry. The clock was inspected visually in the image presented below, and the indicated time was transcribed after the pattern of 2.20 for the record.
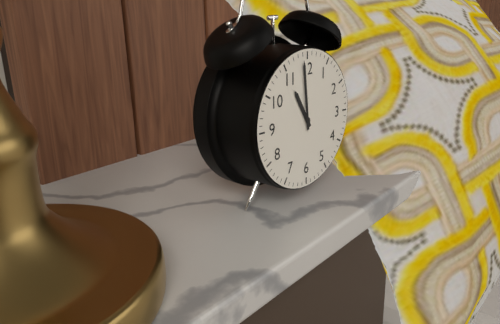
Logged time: 10.59
